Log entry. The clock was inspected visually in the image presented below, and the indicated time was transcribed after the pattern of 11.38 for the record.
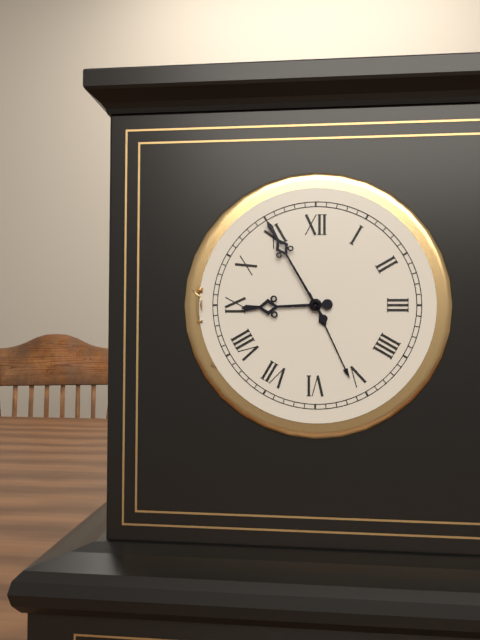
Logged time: 8.55
